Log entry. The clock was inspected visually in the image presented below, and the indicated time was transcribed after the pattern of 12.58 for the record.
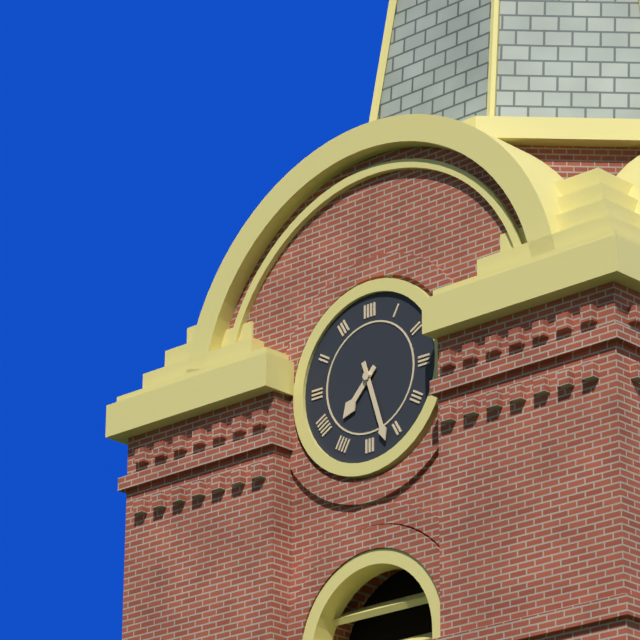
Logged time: 7.27
